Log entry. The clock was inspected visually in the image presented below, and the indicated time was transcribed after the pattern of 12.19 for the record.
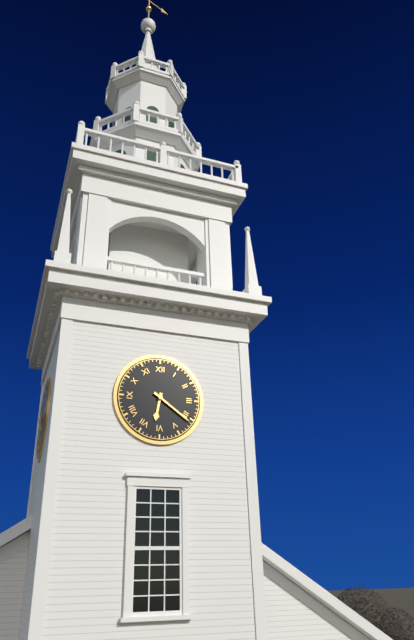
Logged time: 6.21
